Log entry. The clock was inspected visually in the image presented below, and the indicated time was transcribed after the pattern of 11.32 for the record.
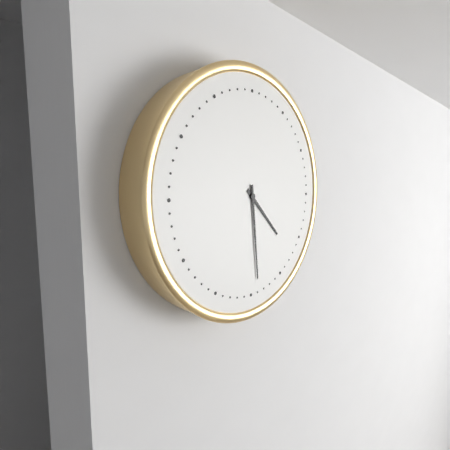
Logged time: 4.29
